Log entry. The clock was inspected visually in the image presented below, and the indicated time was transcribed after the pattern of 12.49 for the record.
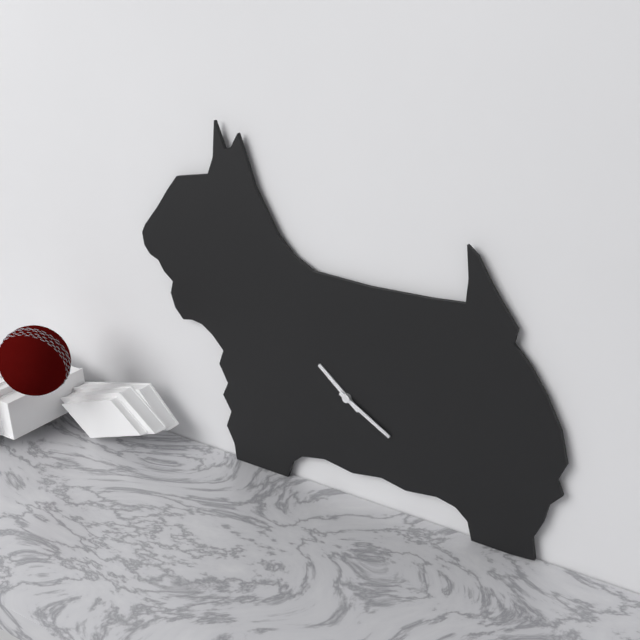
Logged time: 10.20
